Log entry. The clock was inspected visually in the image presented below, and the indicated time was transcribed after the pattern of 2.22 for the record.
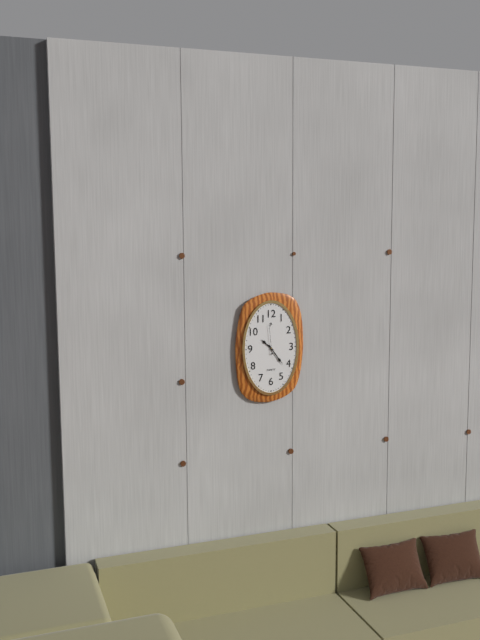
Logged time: 10.24
